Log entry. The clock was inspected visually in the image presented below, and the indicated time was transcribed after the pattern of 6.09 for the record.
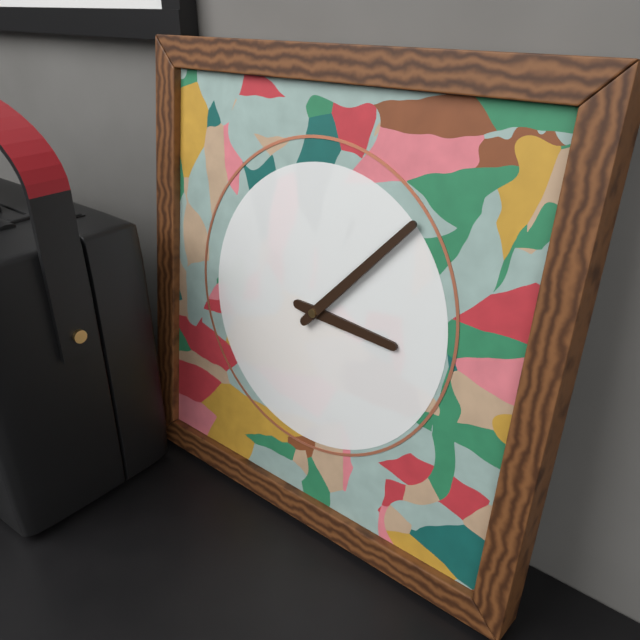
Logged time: 3.07
